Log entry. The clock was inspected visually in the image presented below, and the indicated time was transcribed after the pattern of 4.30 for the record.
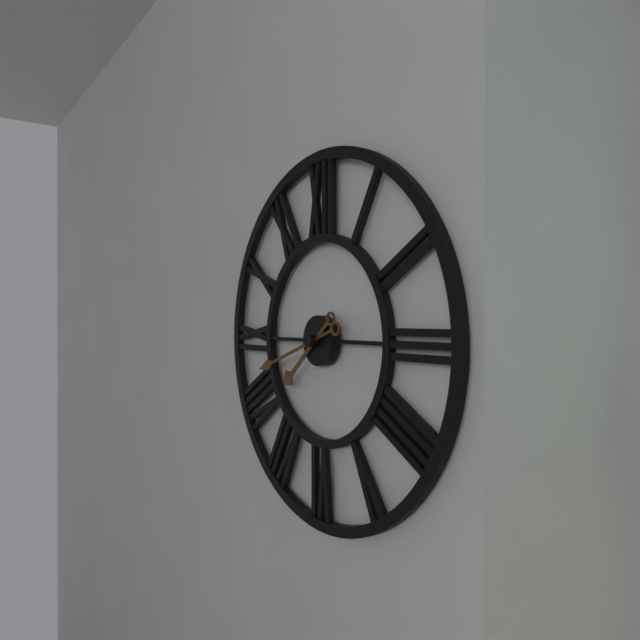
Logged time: 7.42
